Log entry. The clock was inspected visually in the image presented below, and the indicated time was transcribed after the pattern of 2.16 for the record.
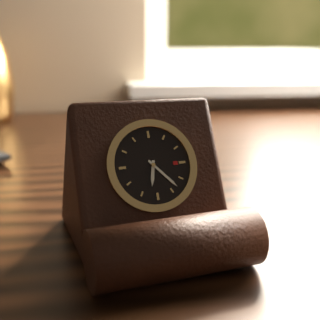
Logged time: 6.23
